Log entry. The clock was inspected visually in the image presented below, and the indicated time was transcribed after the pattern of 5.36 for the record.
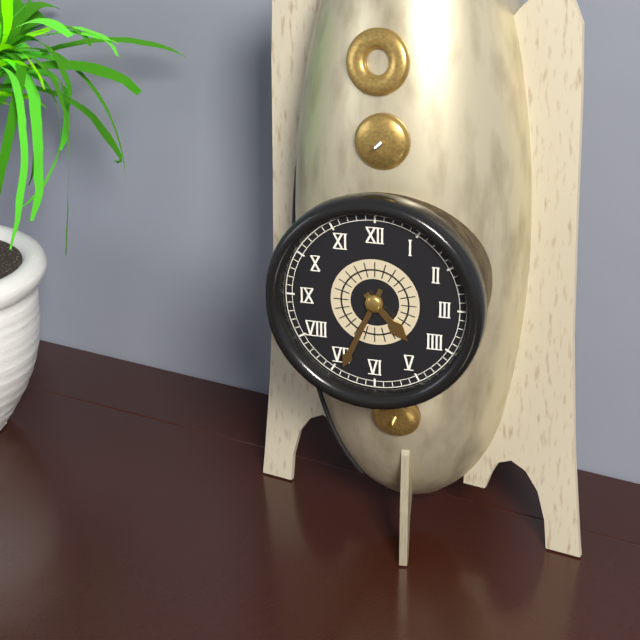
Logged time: 4.34
